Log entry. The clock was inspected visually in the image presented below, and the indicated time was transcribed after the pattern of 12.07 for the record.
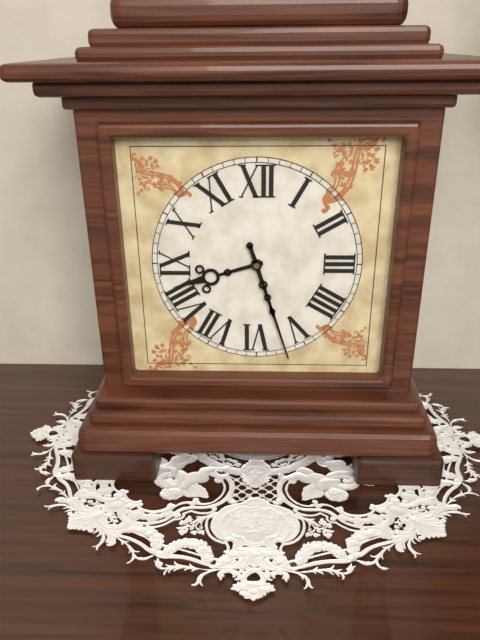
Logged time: 8.27
